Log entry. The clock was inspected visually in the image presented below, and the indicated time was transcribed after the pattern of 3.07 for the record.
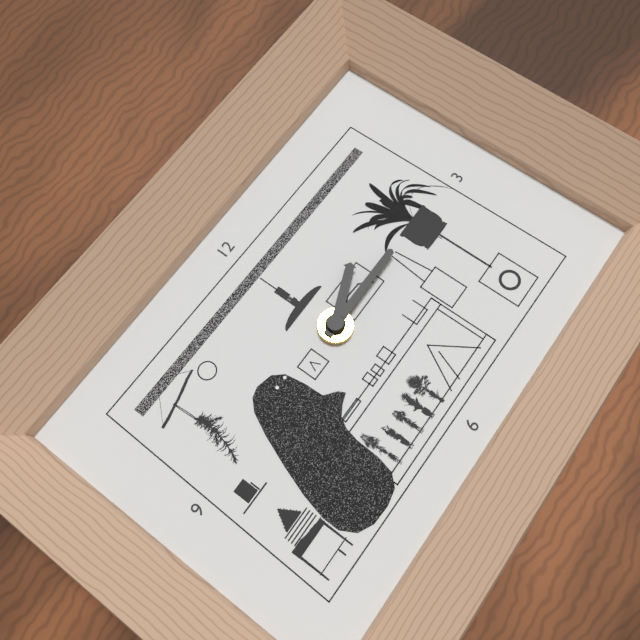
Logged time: 2.15
